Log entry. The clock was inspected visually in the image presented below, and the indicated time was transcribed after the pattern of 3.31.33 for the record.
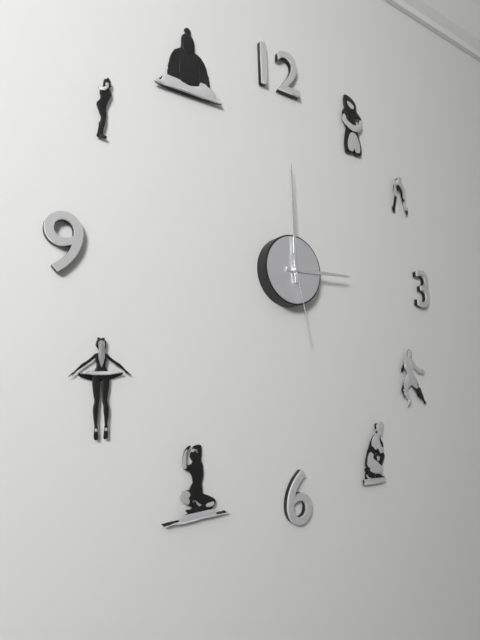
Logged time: 3.00.28
